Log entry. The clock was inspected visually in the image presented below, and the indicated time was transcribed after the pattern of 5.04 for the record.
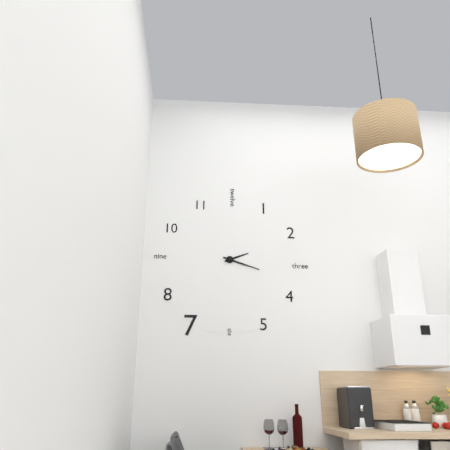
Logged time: 2.18
